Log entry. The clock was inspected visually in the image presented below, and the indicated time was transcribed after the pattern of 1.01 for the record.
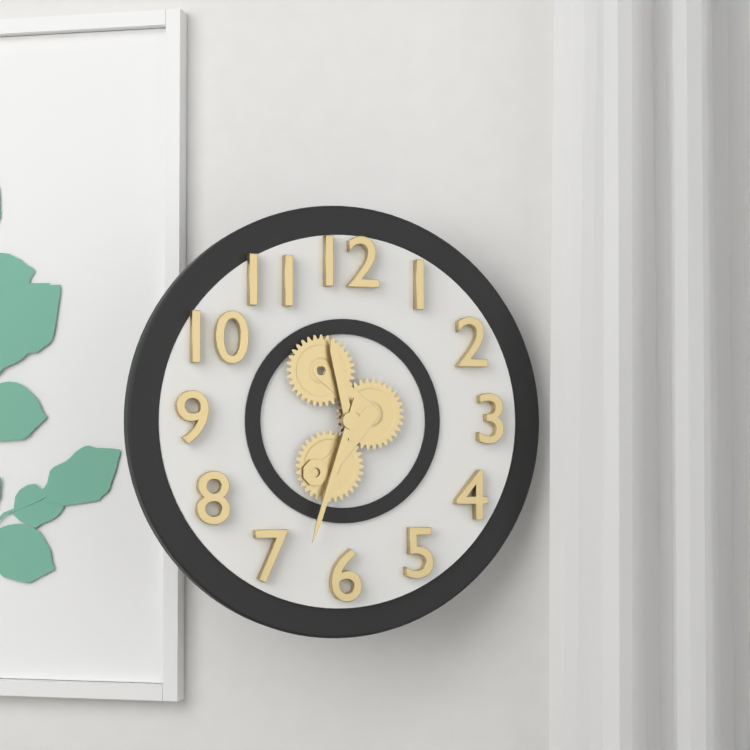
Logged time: 11.33
